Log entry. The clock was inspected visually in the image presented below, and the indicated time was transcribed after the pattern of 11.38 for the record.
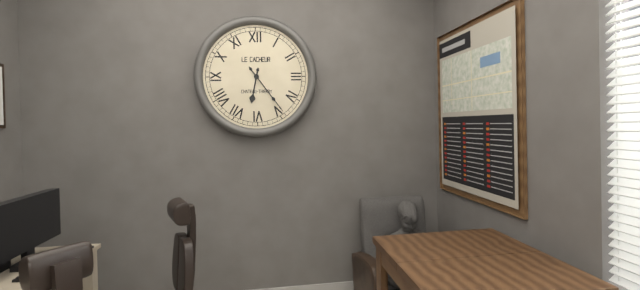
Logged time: 6.24
